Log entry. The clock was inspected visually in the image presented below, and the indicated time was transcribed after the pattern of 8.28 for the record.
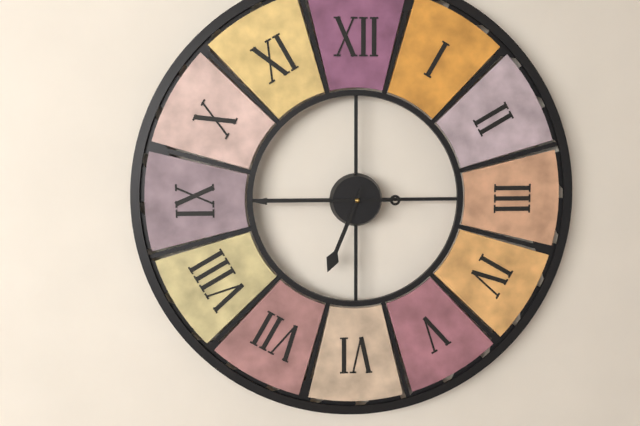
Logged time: 6.45
